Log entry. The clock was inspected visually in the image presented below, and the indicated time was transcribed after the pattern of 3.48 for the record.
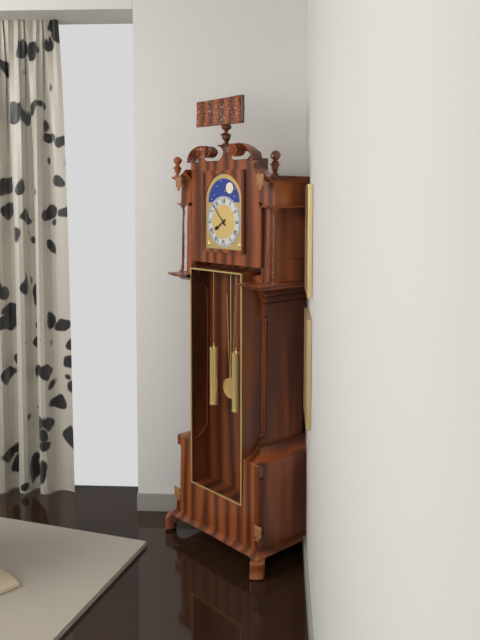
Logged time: 7.53
